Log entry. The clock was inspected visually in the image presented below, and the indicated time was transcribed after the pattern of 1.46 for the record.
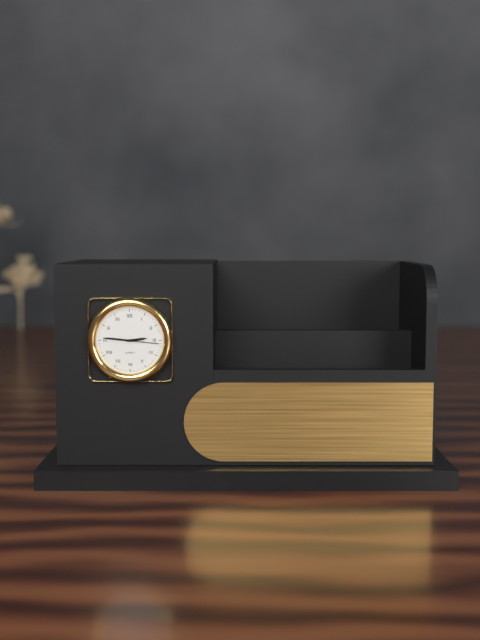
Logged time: 2.46
